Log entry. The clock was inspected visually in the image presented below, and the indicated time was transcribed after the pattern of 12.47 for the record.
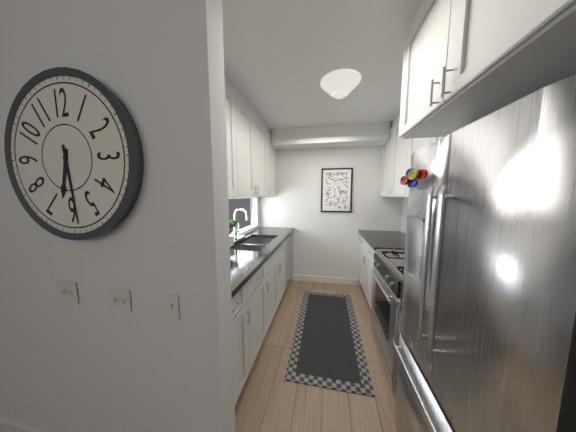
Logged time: 6.29
